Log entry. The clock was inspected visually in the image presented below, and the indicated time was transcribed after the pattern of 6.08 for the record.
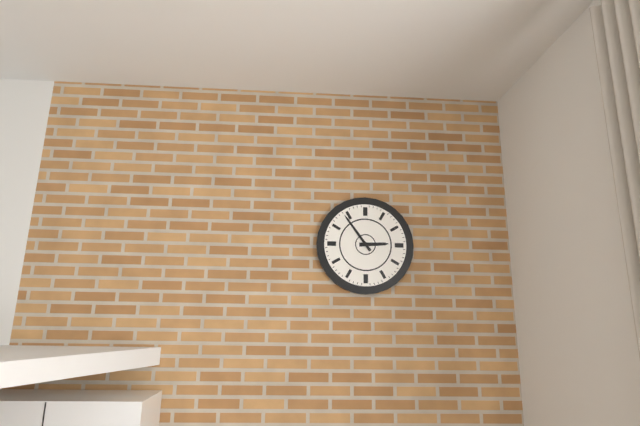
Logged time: 2.54
